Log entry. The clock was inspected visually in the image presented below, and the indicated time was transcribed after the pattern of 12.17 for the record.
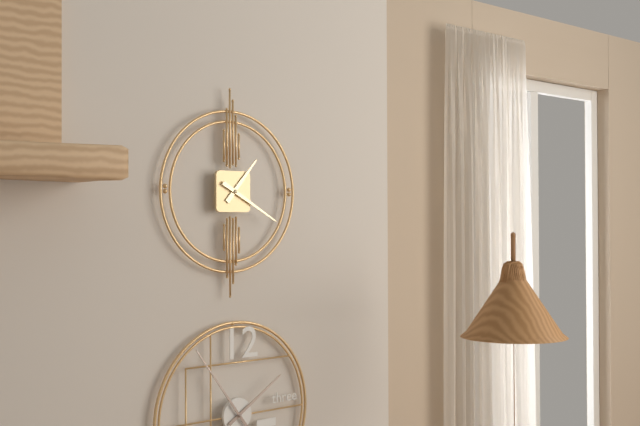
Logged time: 1.20
